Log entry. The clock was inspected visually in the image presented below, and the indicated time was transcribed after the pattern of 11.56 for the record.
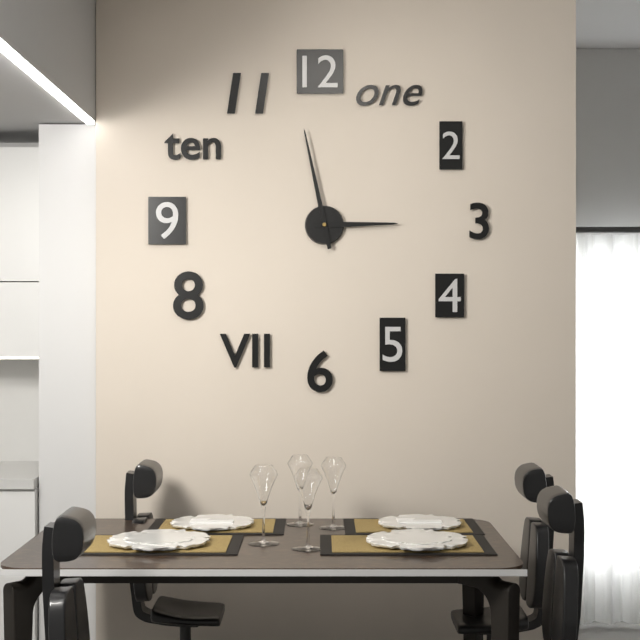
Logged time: 2.58
